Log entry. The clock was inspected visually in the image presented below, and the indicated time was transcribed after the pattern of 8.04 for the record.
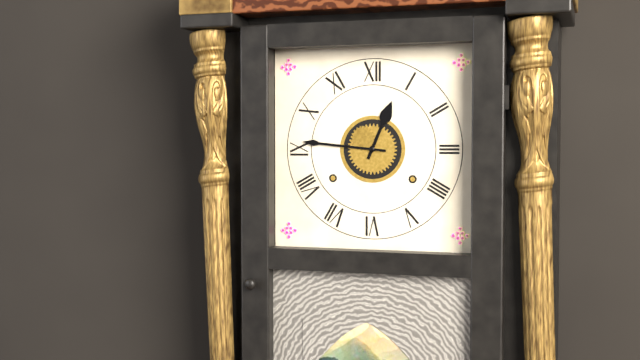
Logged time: 12.46
